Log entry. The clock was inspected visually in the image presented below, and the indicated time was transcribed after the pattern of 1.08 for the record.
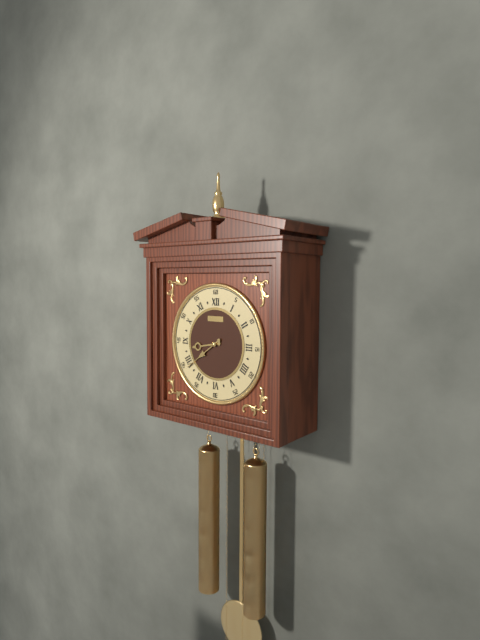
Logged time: 8.39
